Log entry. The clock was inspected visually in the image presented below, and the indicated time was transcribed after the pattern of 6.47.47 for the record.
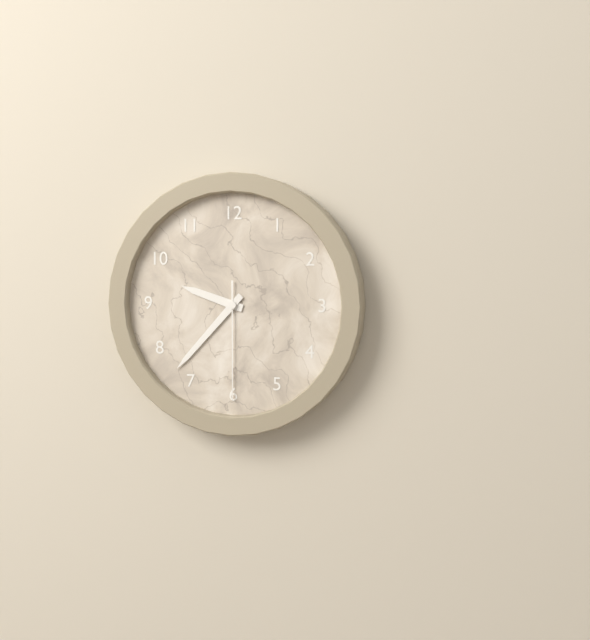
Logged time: 9.37.30
